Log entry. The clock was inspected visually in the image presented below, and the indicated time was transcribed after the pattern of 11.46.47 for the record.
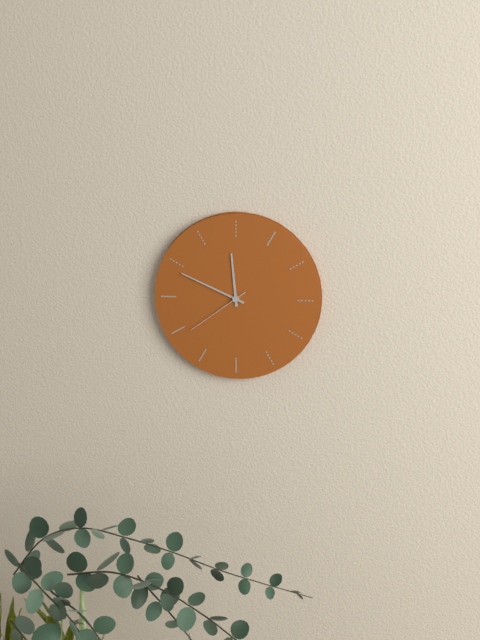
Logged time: 11.49.39
